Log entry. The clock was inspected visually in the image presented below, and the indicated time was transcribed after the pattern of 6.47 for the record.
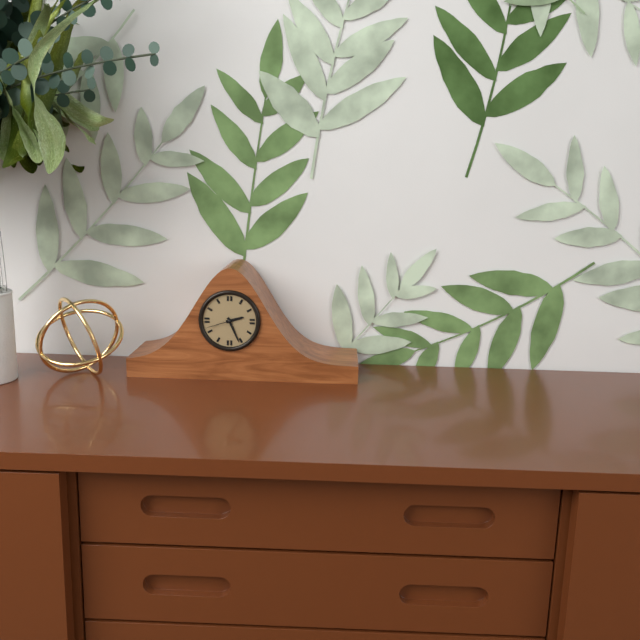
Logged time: 2.26
